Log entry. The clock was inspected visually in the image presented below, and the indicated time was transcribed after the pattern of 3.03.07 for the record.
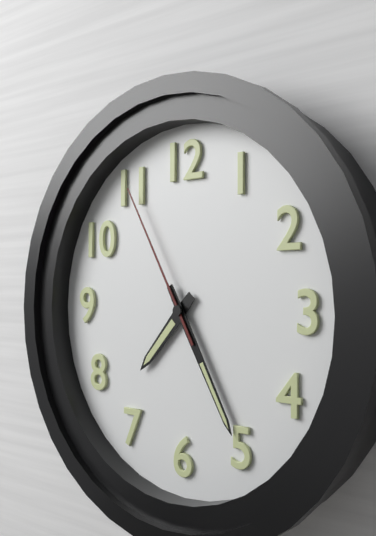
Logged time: 7.25.55
